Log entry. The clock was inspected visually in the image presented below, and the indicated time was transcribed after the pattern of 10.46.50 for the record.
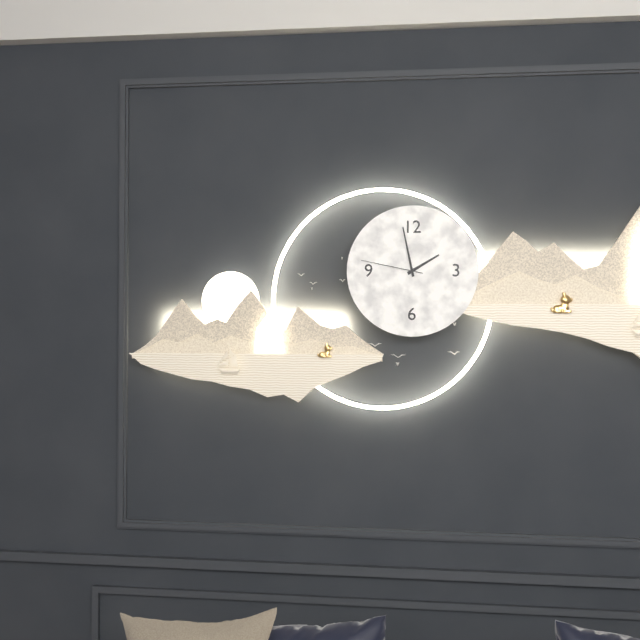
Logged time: 1.58.47
